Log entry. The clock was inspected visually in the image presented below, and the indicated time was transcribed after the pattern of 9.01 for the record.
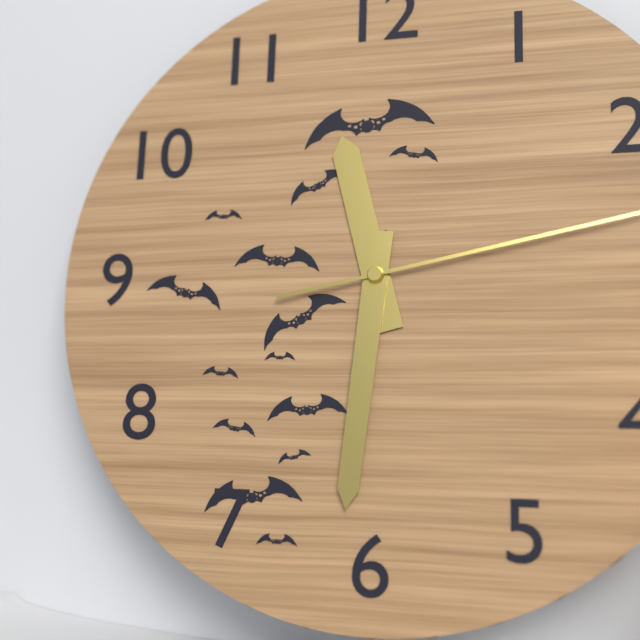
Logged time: 11.31
